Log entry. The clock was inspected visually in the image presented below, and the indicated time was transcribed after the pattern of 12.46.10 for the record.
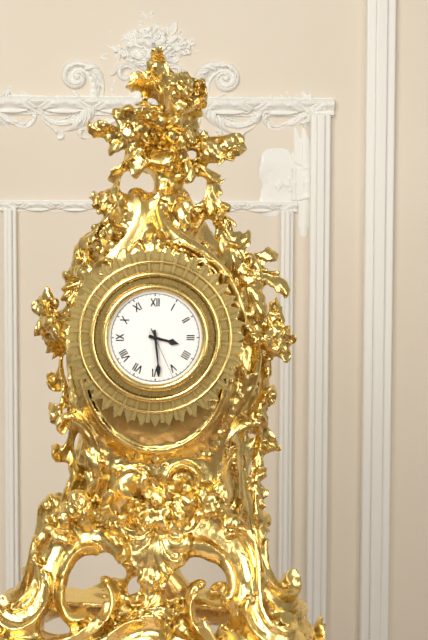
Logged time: 3.29.26
